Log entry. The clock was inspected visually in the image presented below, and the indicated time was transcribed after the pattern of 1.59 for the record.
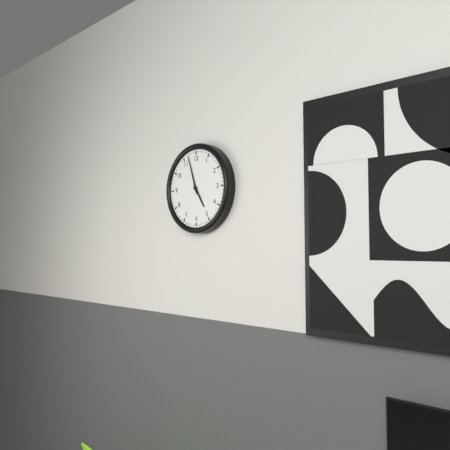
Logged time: 4.57
